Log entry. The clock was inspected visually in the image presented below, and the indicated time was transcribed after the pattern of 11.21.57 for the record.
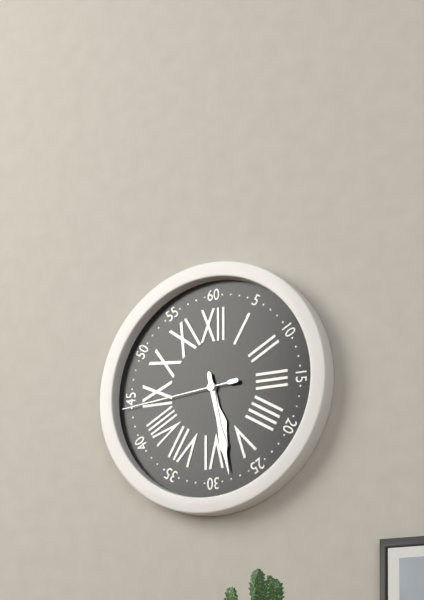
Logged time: 5.28.44
